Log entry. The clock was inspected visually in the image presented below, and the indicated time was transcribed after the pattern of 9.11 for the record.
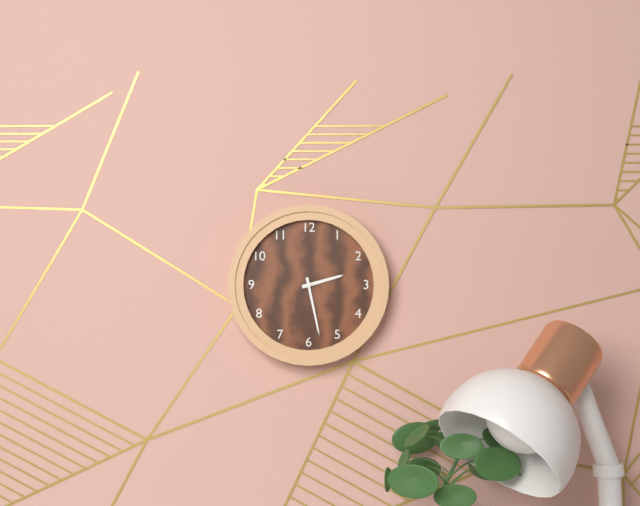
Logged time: 2.28
